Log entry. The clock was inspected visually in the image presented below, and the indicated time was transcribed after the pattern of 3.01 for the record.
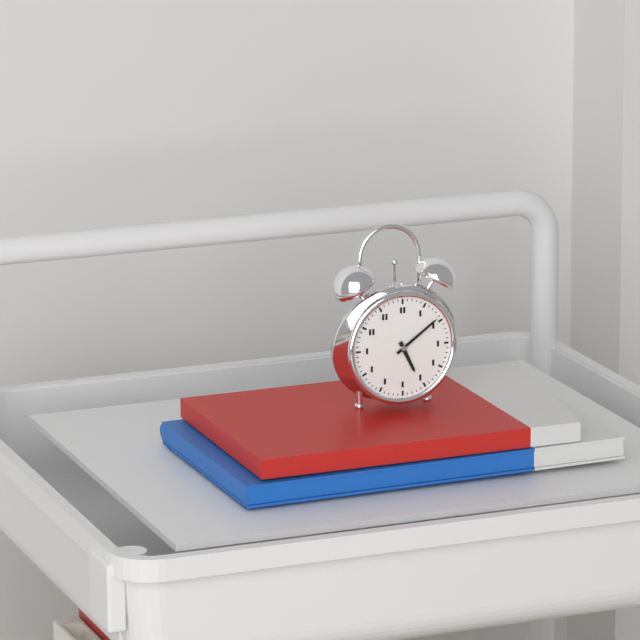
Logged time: 5.09
